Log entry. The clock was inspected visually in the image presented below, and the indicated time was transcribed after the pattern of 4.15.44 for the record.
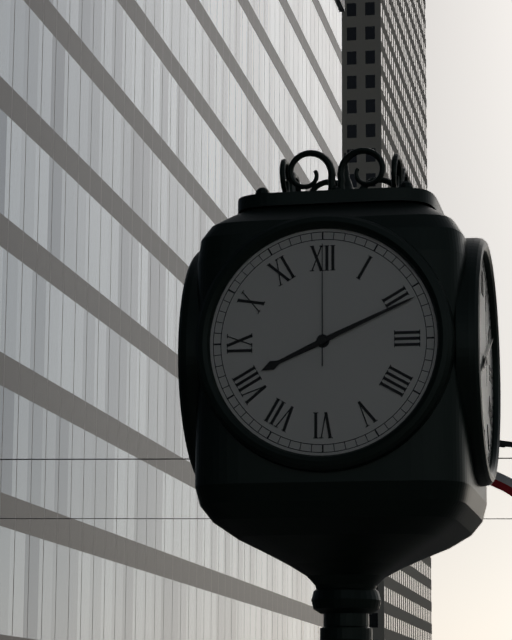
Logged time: 8.11.00
